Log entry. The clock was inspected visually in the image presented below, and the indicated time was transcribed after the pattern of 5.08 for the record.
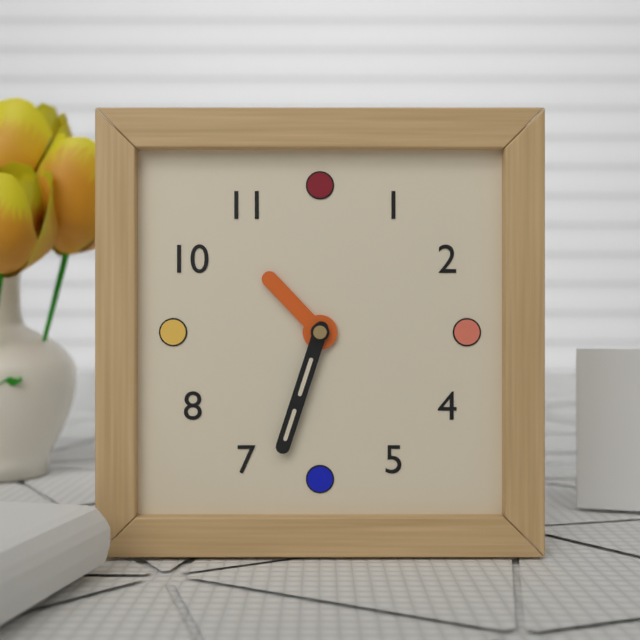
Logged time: 10.33
